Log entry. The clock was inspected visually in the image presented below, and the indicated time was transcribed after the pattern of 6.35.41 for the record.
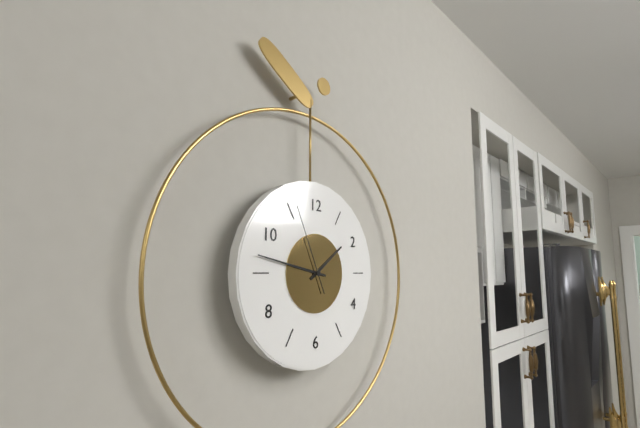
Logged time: 1.47.56
